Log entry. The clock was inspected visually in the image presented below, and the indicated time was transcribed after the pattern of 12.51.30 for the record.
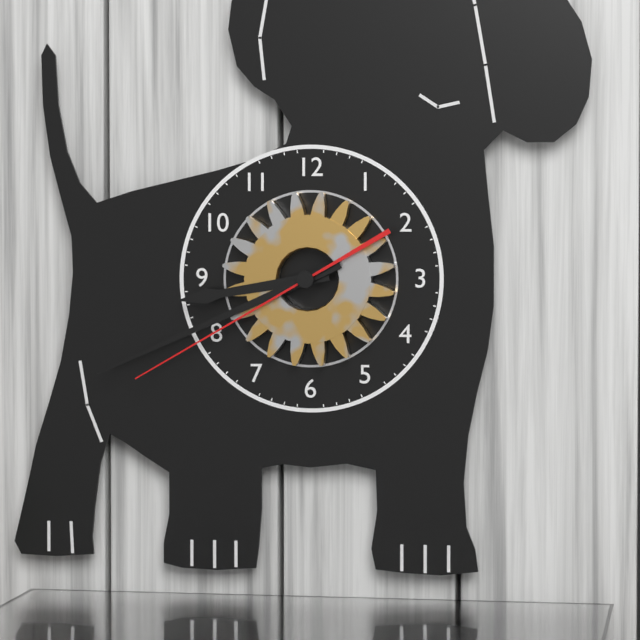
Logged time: 8.41.40
